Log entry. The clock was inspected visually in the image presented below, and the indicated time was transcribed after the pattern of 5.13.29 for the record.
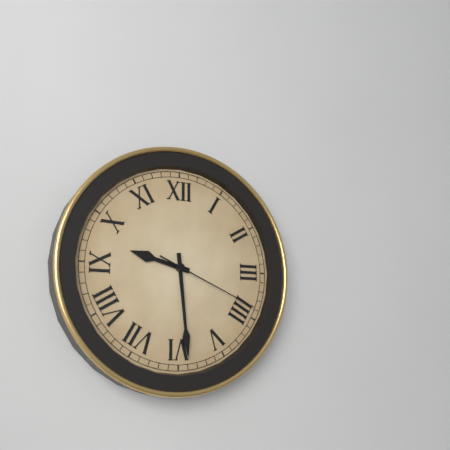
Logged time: 9.29.19
